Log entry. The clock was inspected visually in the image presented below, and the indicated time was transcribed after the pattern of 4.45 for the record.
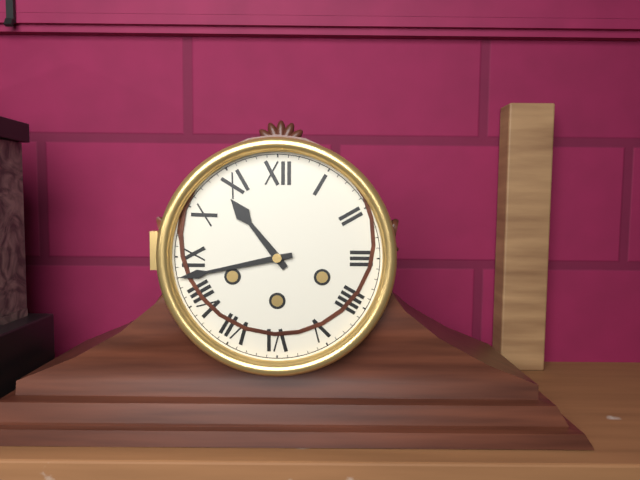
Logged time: 10.43
